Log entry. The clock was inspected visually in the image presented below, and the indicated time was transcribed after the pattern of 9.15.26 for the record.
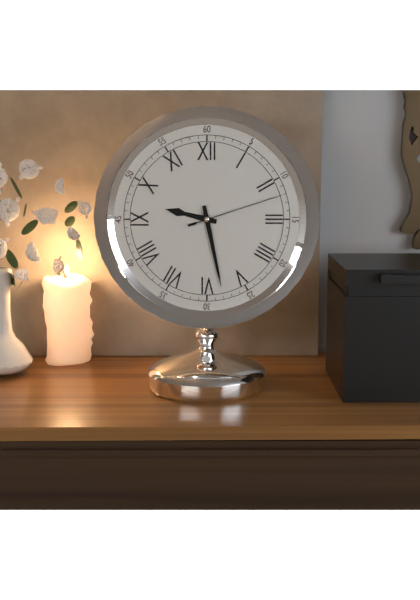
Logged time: 9.28.12
